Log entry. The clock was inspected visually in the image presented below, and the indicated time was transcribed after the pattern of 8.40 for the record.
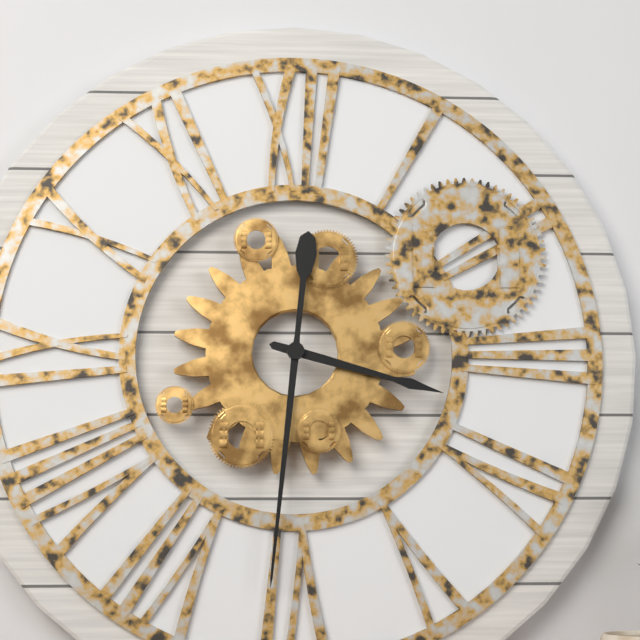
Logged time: 3.31
